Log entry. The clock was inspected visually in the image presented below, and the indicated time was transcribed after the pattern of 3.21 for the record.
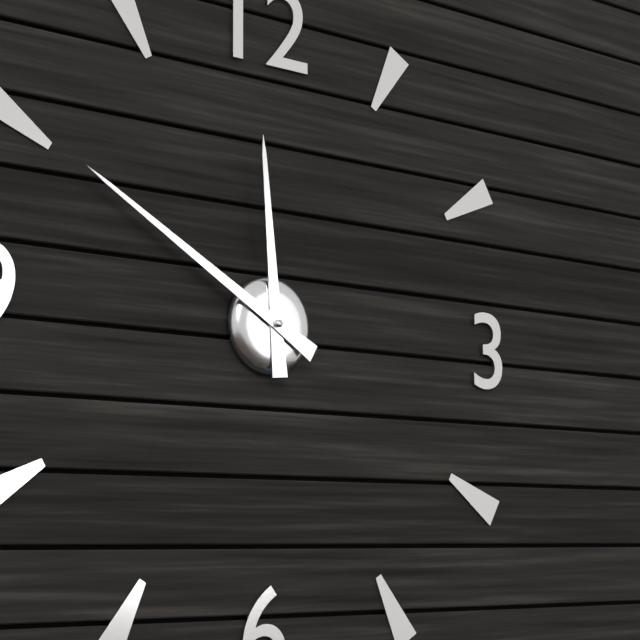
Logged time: 11.50
